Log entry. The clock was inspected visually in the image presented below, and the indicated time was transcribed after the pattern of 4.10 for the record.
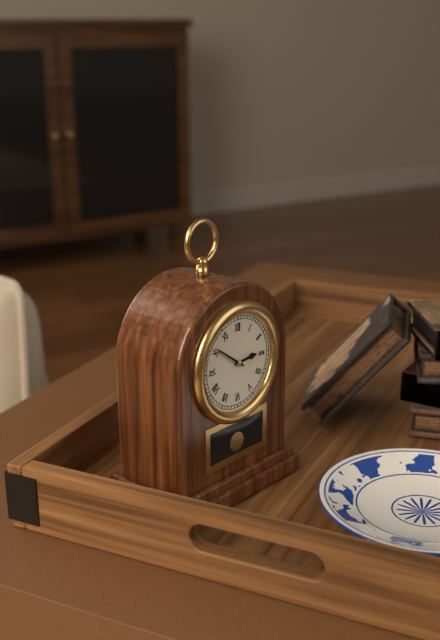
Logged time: 2.51
